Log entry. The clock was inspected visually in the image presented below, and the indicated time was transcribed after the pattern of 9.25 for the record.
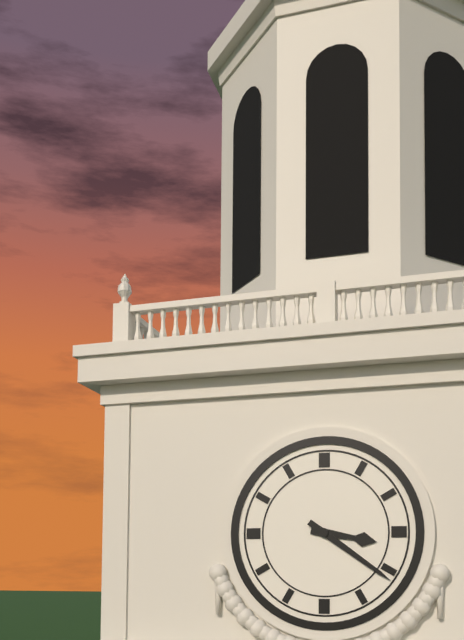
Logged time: 3.21
